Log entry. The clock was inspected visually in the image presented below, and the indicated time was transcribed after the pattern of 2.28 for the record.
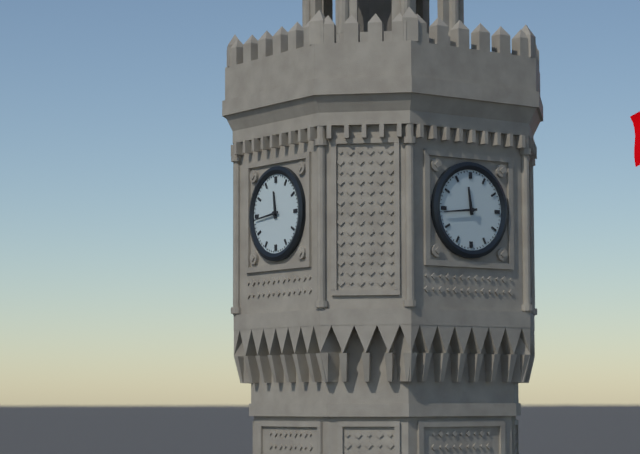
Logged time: 11.44
